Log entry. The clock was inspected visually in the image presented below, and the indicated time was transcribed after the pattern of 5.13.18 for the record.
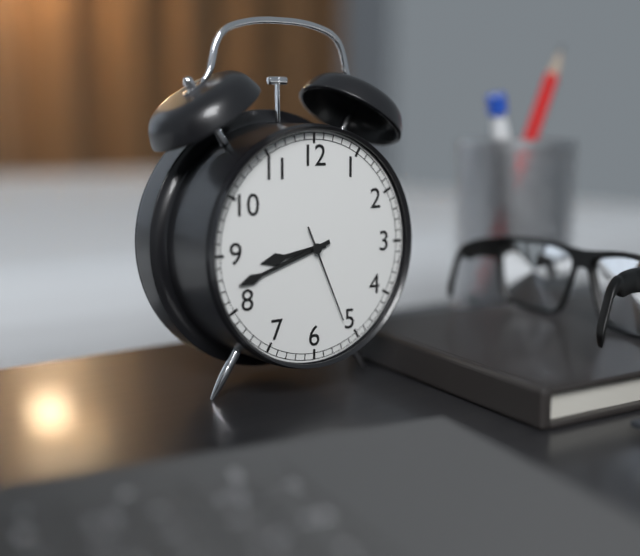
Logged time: 8.42.26
